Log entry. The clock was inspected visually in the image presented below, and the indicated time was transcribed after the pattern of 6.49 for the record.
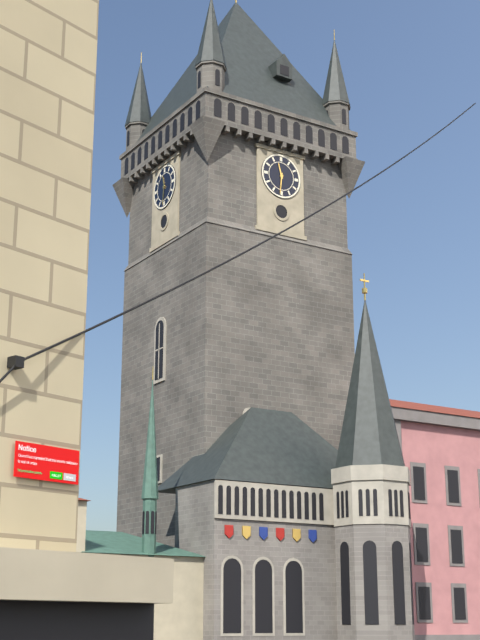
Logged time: 11.31
